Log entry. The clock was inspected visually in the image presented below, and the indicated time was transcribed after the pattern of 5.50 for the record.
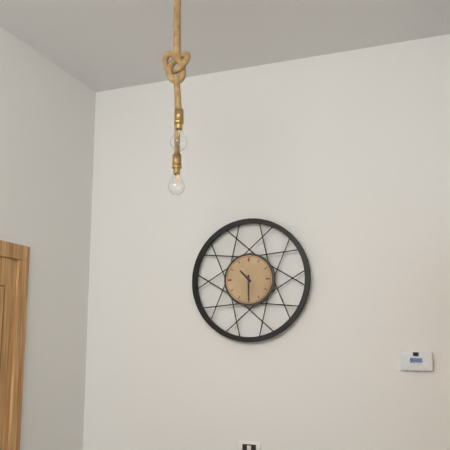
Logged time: 10.30
